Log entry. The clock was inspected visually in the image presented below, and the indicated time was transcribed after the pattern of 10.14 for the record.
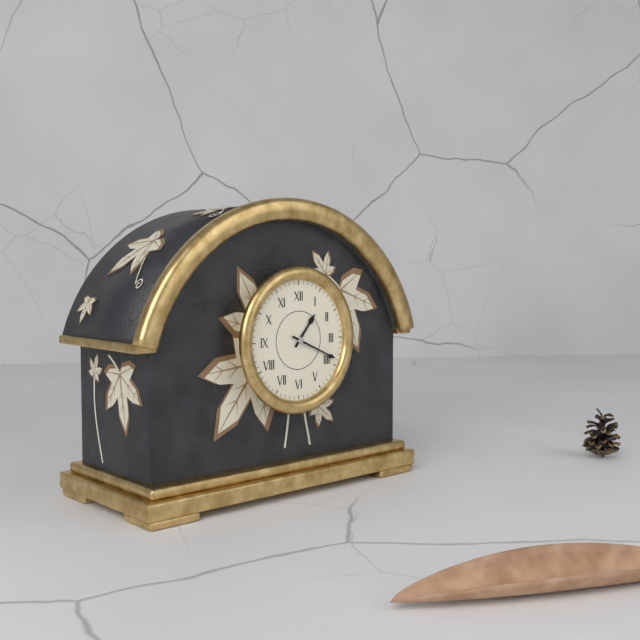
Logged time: 1.19
